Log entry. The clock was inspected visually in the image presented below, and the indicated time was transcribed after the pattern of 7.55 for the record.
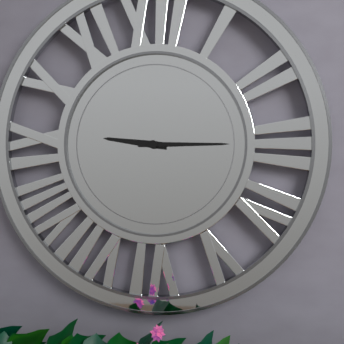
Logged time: 9.15
